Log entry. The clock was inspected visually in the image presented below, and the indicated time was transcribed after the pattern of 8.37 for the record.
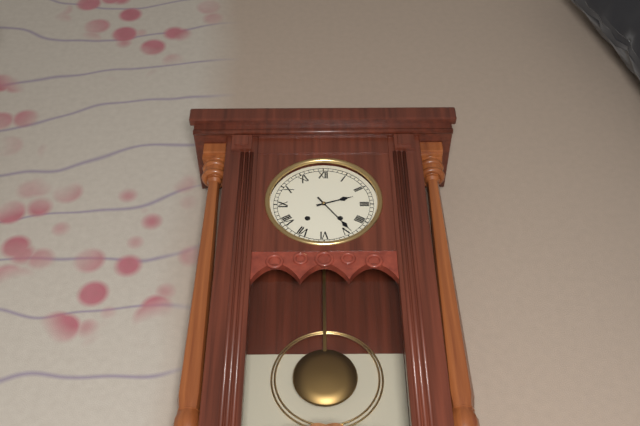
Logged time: 2.24
